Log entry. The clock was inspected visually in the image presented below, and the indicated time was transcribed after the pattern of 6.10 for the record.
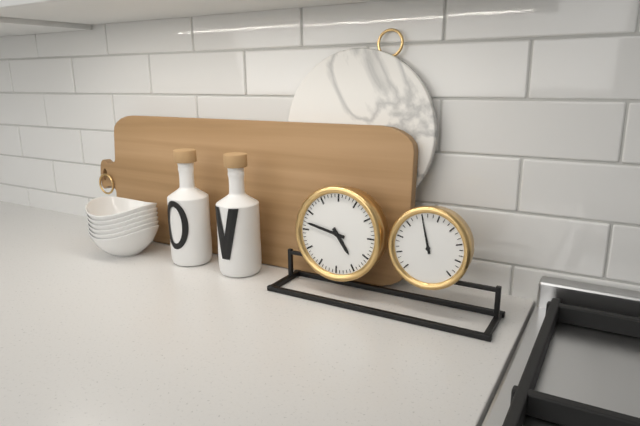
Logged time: 4.47
